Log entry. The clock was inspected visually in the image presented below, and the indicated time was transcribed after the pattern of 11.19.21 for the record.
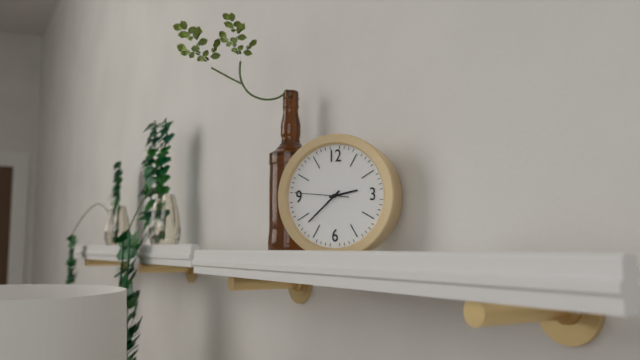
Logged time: 2.38.46
